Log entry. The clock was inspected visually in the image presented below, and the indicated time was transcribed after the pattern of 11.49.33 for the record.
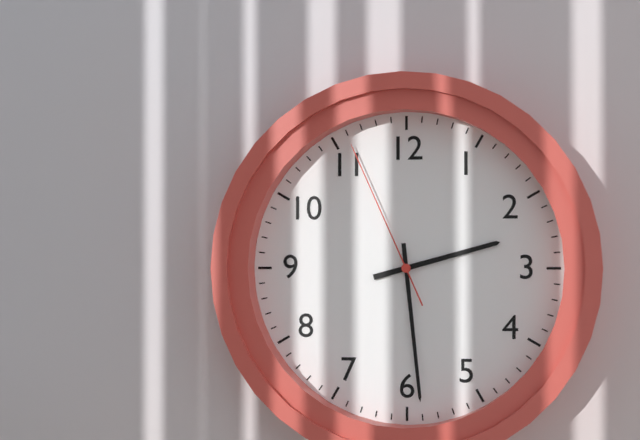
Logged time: 2.29.56
